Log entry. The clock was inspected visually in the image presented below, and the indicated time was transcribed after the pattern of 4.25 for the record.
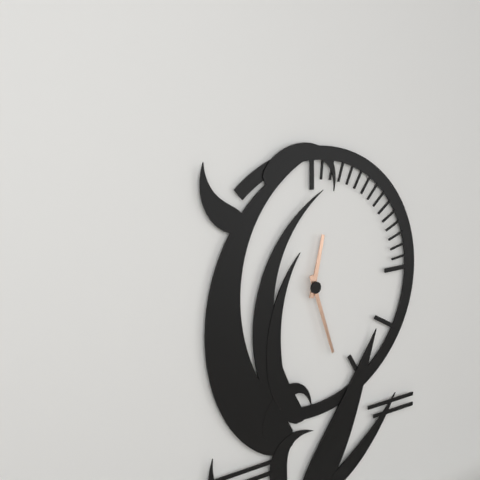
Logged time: 12.27
